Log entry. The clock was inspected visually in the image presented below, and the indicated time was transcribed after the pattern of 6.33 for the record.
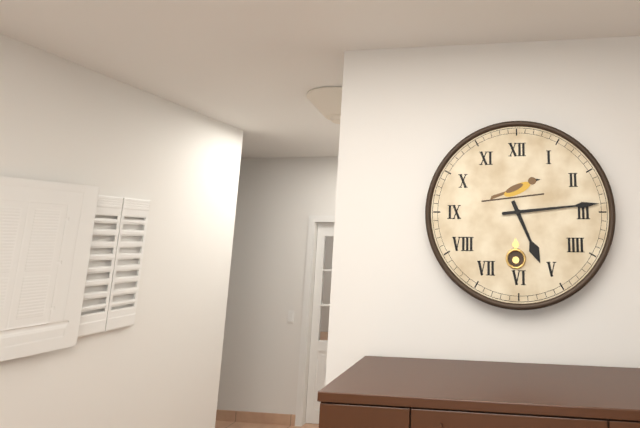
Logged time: 5.14
